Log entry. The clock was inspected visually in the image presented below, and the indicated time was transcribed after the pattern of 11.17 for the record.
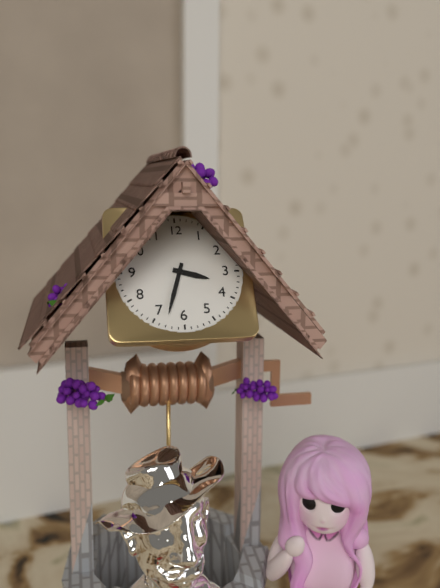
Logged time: 3.33
